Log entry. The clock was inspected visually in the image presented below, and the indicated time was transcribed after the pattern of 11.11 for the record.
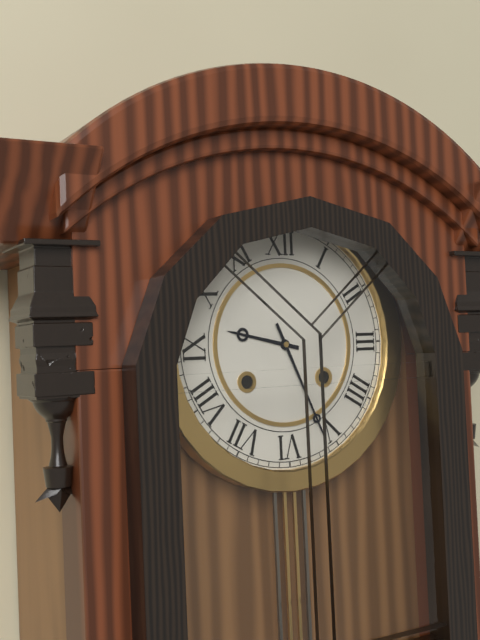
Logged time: 9.26
